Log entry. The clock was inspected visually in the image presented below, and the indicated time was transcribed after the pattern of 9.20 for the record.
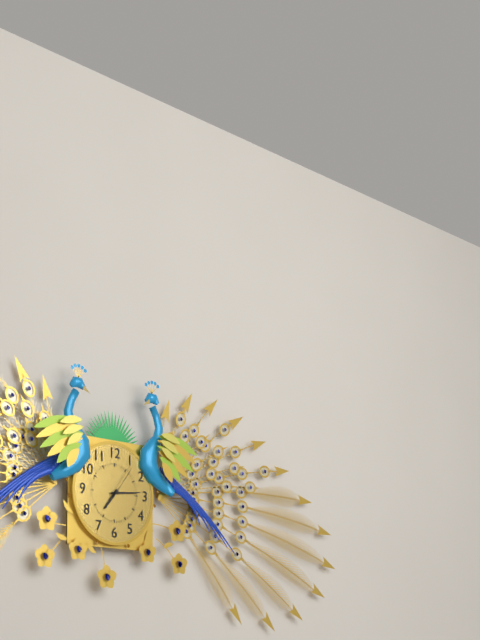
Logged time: 7.14
